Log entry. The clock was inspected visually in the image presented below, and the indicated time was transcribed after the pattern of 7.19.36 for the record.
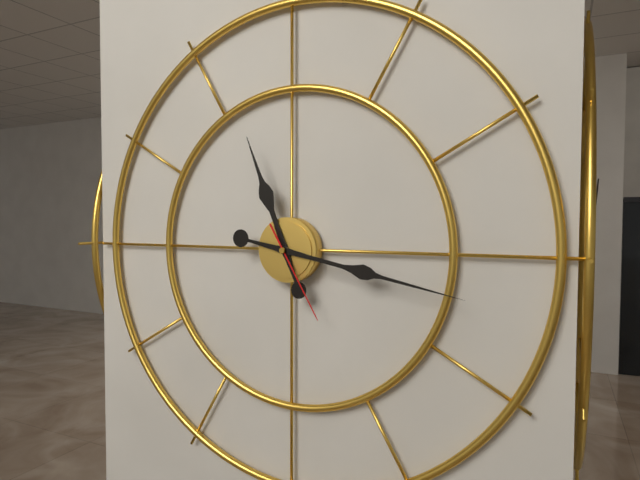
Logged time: 11.17.25
